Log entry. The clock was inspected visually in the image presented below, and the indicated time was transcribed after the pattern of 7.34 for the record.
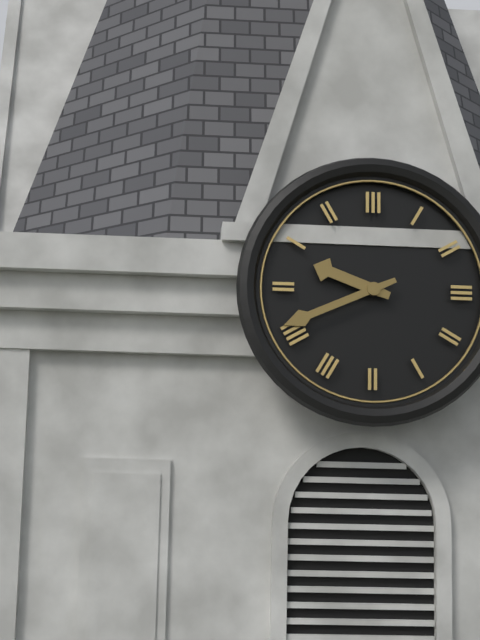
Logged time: 9.41
